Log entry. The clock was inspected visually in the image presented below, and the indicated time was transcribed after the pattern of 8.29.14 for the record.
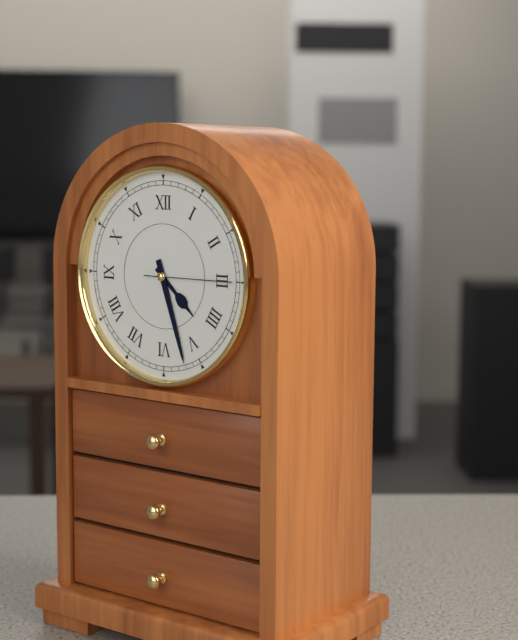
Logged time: 4.27.15
